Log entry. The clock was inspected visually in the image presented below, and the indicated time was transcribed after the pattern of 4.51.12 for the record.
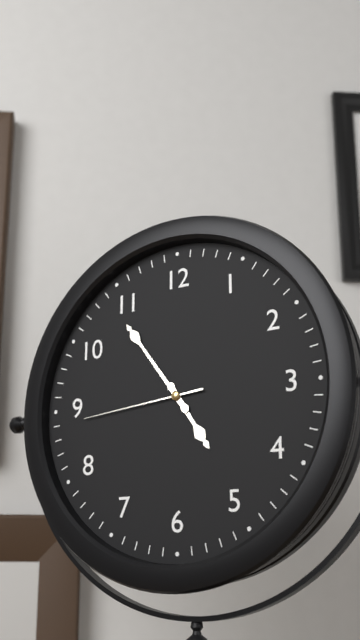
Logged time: 4.54.44
